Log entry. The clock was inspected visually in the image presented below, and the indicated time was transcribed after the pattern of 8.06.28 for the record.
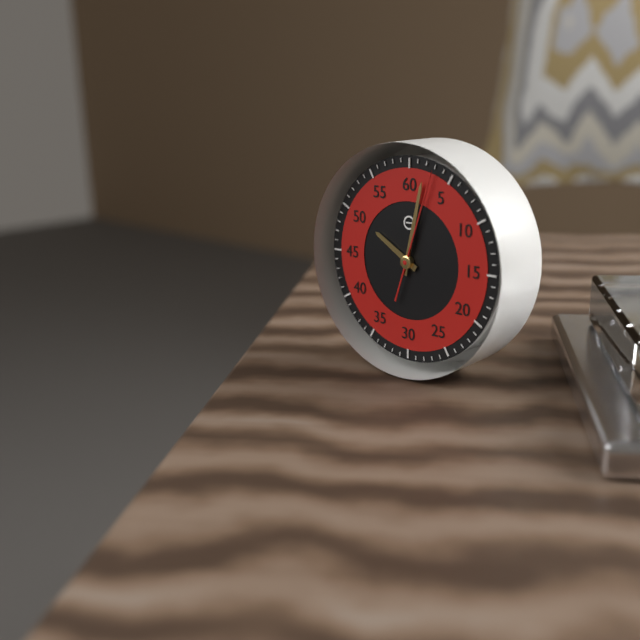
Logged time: 10.02.03
